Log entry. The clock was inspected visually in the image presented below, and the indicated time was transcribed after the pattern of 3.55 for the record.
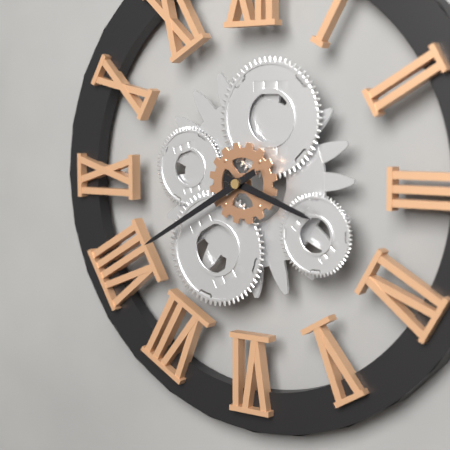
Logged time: 3.40
